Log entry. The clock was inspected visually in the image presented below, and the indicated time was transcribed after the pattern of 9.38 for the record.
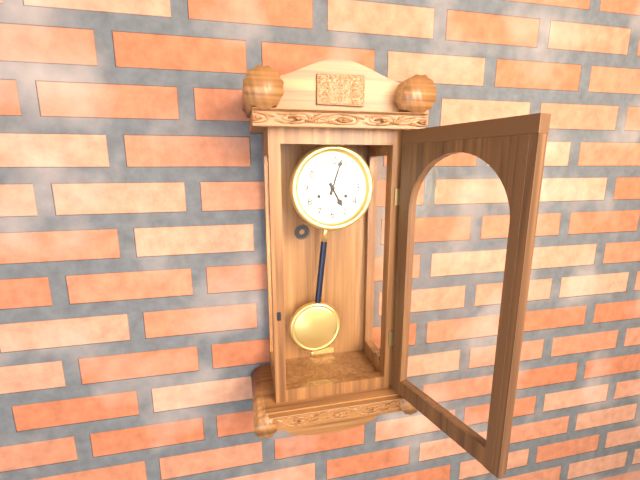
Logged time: 5.03
